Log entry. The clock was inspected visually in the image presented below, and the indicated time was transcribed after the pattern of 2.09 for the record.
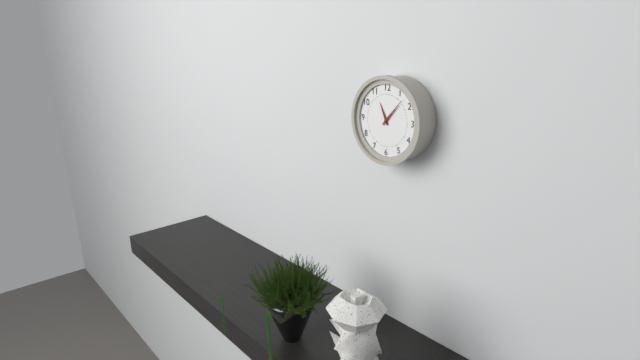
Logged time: 11.07
